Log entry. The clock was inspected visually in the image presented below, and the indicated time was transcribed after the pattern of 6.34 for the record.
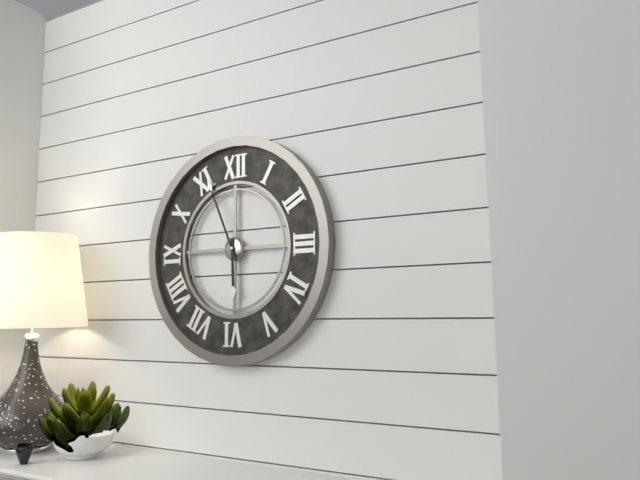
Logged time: 5.56
